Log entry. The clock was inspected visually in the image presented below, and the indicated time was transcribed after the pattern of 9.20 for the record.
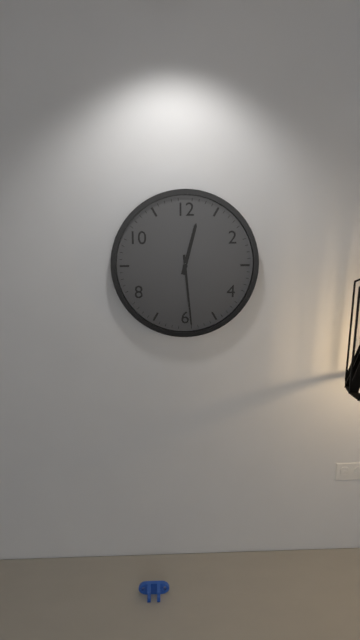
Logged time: 12.29
